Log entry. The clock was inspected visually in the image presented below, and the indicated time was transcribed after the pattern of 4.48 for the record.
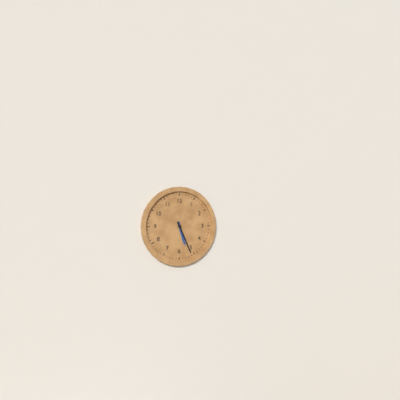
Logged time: 5.26
